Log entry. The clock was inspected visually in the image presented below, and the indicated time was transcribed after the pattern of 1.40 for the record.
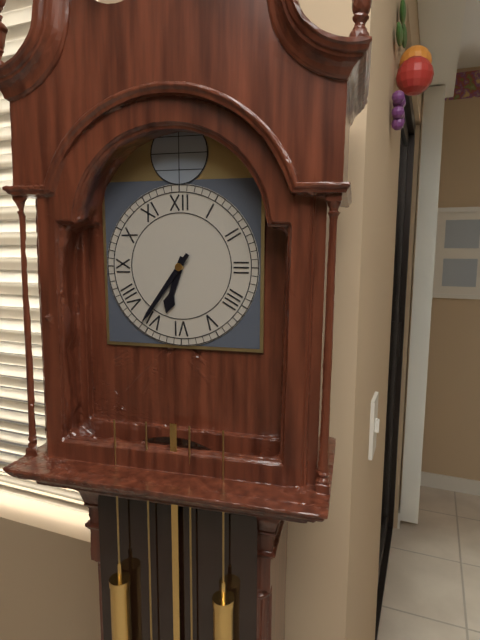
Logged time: 6.36
